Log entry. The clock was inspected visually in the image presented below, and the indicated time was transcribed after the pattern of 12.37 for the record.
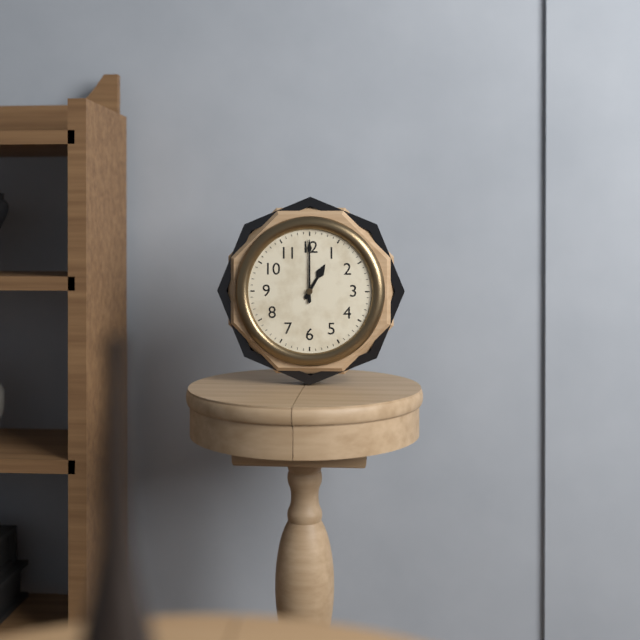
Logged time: 1.00
